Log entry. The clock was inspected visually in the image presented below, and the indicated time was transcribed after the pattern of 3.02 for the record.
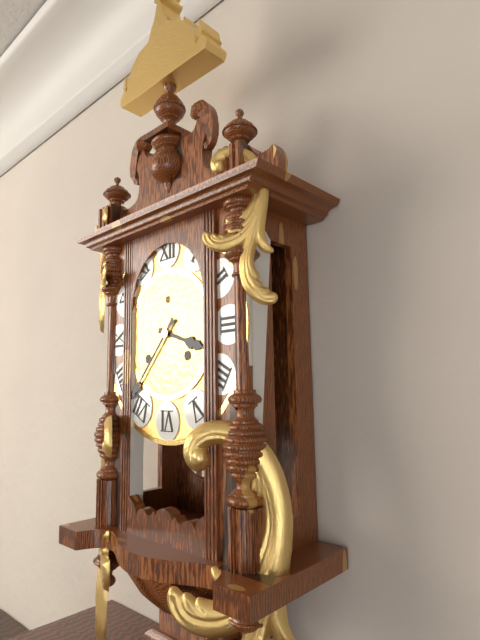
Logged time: 3.37
